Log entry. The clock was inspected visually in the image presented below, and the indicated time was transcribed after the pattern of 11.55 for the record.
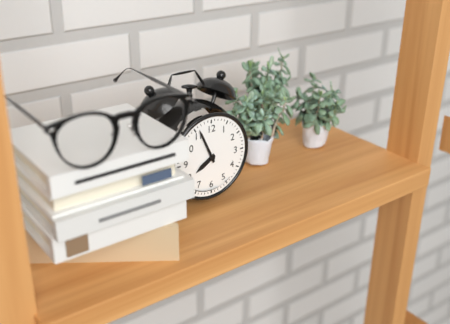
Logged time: 7.56
